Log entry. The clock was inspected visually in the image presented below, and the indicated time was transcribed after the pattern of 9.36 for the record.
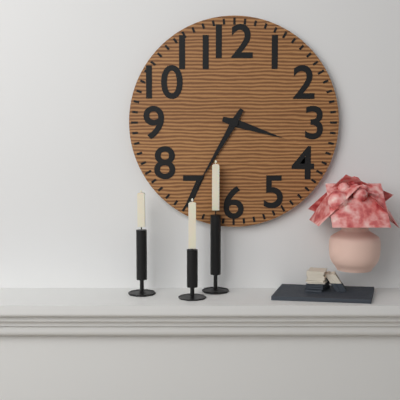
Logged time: 3.35
